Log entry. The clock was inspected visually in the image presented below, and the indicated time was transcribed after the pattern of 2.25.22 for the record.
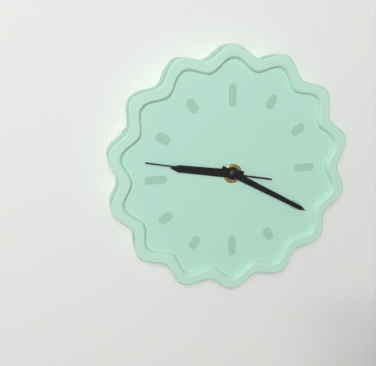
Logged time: 9.20.47
